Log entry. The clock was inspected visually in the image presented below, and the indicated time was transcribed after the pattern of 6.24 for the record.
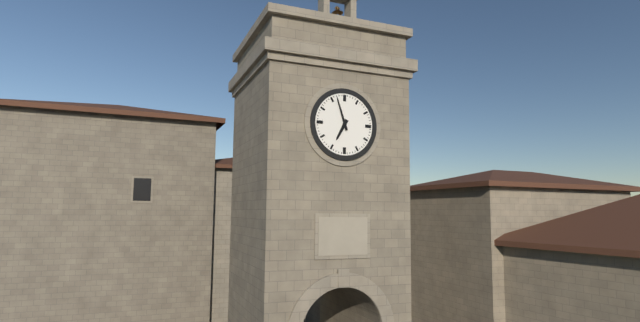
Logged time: 6.57
